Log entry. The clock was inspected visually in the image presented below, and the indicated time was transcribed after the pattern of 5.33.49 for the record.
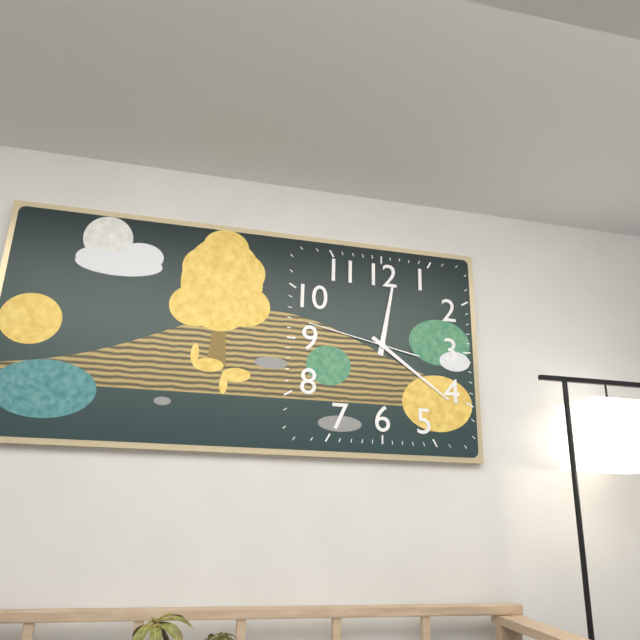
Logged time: 12.21.47
